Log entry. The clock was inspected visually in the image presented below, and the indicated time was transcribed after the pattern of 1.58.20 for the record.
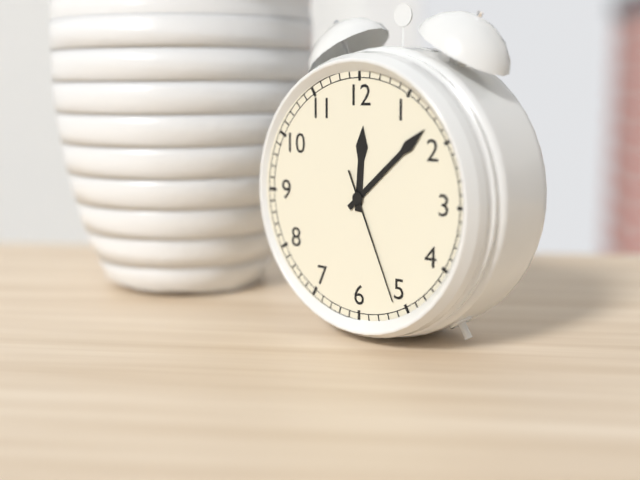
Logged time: 12.08.26
